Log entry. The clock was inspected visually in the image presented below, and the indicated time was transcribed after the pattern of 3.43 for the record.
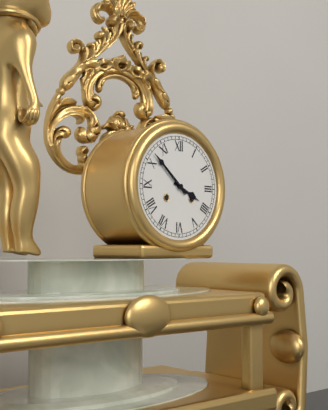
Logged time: 3.52
